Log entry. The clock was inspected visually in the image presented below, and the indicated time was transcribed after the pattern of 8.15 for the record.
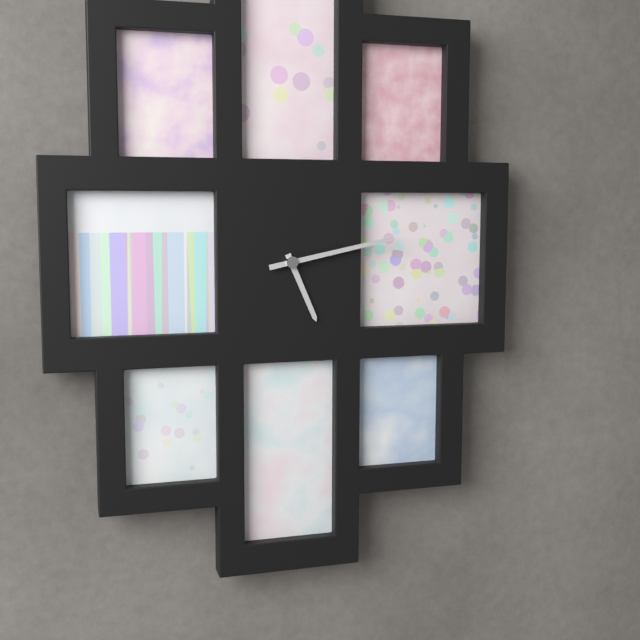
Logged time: 5.13
